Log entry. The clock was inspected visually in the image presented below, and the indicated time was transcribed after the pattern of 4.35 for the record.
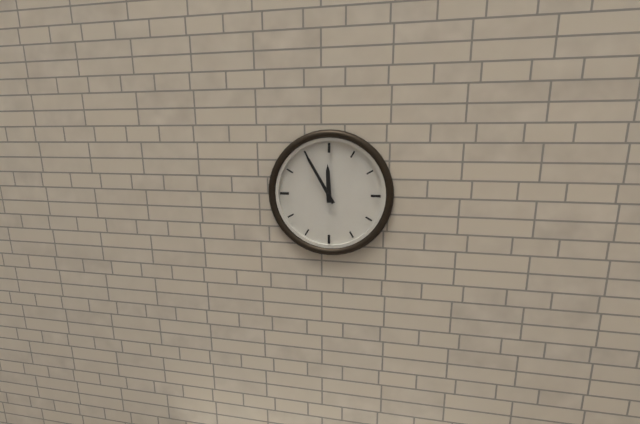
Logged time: 11.55
